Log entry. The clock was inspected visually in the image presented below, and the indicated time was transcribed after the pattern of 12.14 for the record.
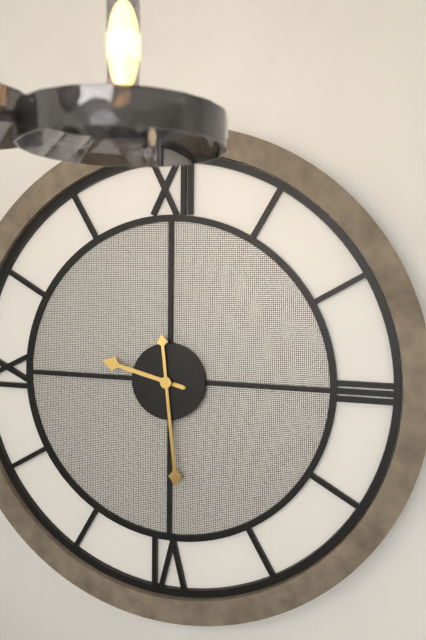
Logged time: 9.29
